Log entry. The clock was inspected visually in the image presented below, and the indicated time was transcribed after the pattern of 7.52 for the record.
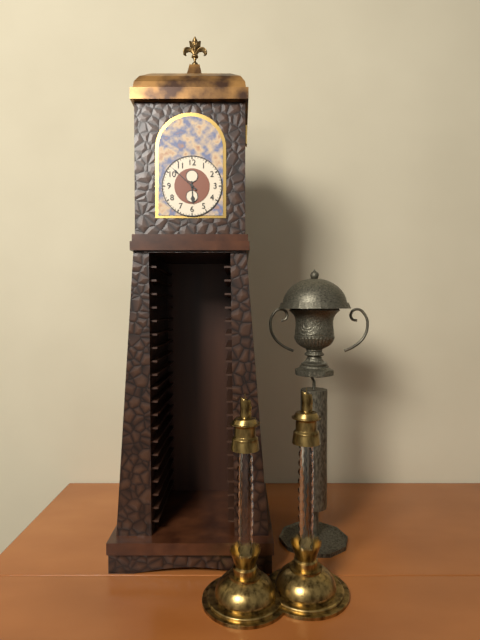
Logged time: 5.52
